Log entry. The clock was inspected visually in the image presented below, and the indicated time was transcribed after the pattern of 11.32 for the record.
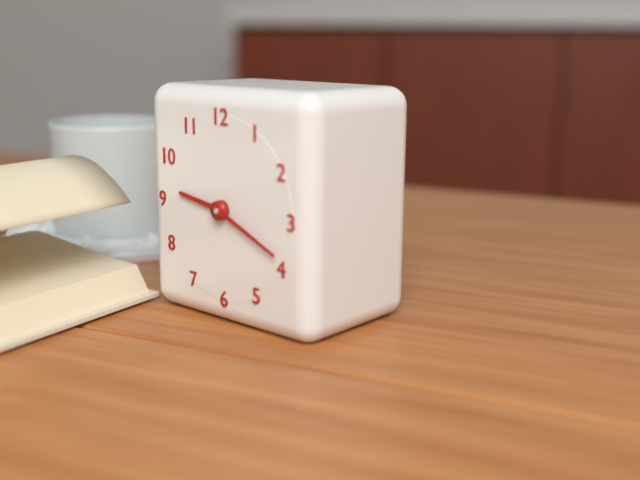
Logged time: 9.19
